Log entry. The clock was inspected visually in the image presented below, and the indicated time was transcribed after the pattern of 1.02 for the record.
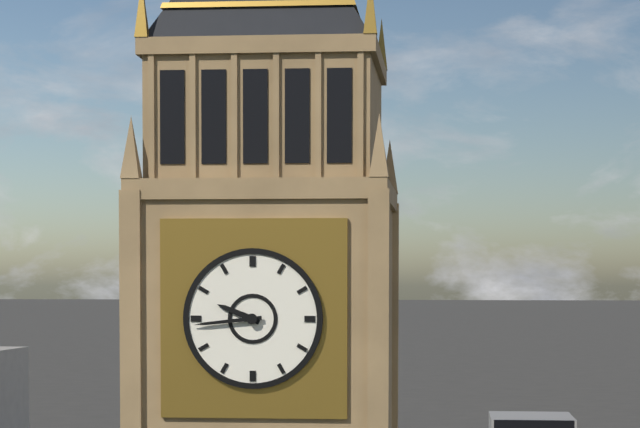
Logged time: 9.44
